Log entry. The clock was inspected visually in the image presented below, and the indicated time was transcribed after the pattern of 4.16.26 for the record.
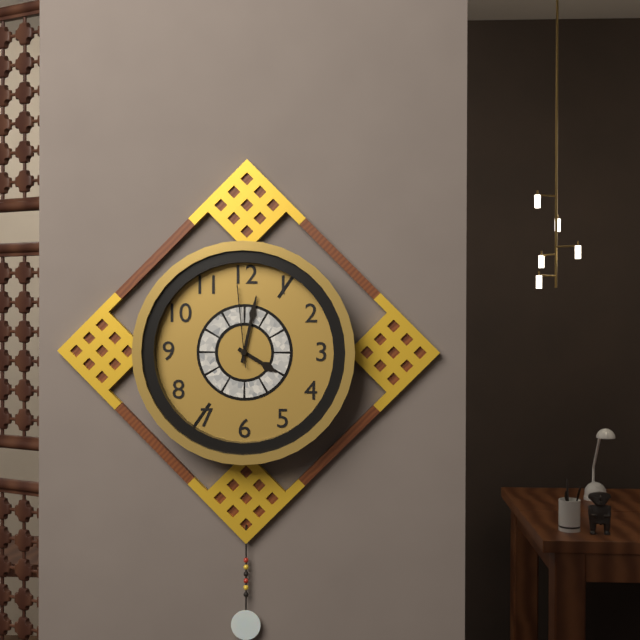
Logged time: 4.02.59
